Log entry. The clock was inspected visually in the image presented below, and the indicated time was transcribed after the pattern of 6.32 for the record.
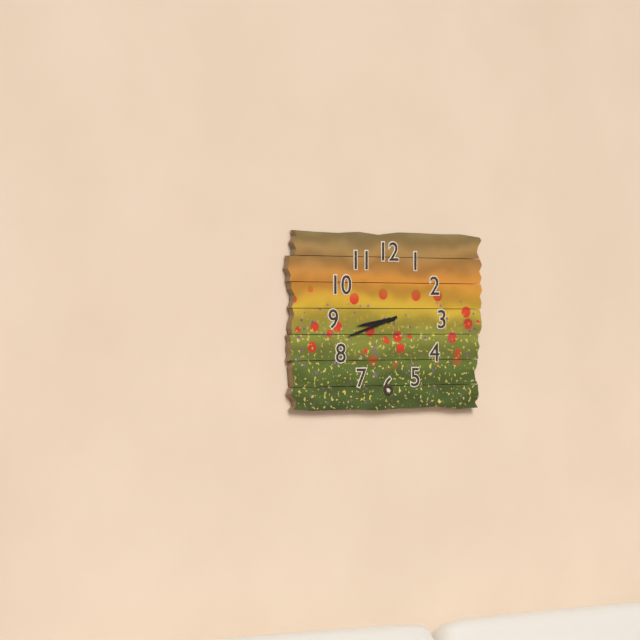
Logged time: 8.42
